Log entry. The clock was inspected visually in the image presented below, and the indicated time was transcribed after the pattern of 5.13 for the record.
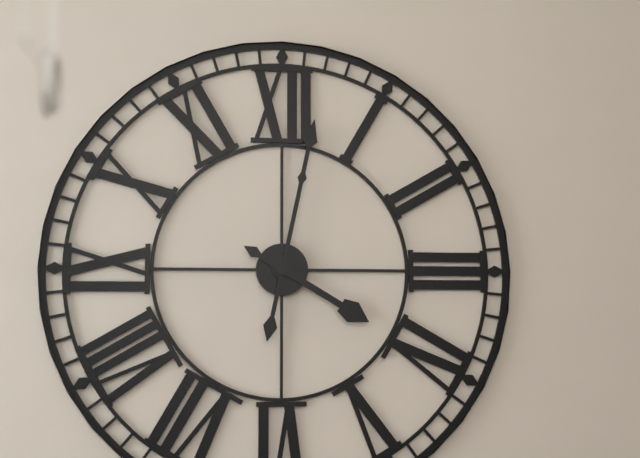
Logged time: 4.02
